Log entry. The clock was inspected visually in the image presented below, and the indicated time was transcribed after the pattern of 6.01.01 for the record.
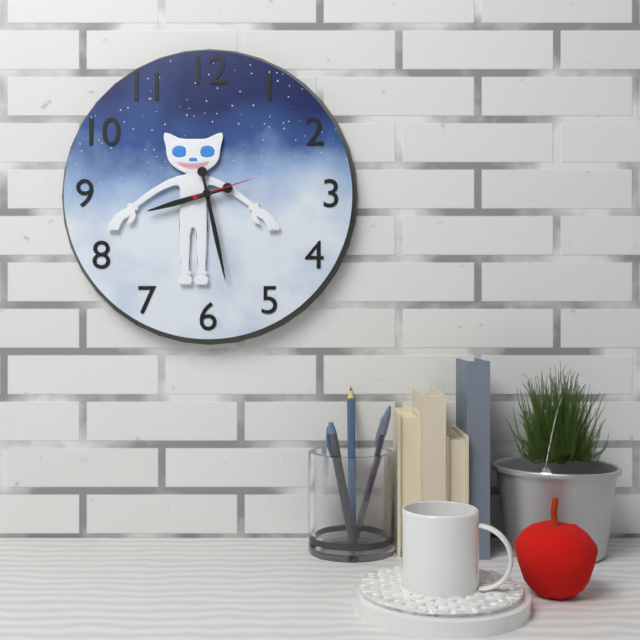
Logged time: 8.28.12
